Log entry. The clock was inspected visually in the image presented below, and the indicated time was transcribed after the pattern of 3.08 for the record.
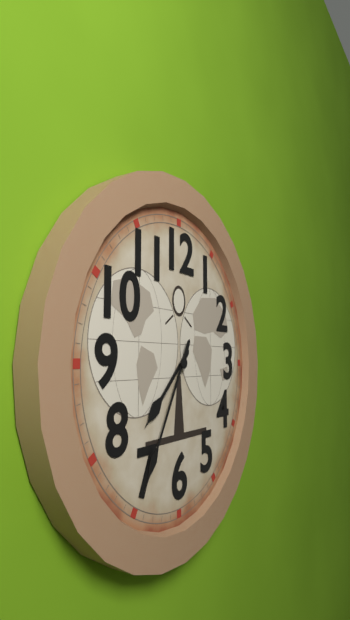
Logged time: 7.35
